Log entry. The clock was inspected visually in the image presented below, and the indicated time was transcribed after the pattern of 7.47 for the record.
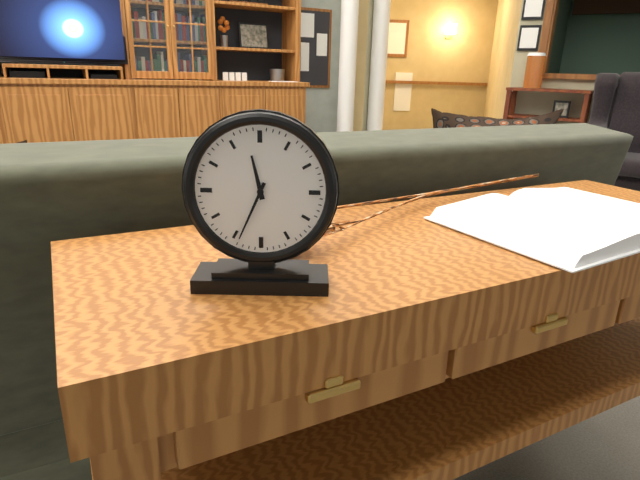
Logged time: 11.34
